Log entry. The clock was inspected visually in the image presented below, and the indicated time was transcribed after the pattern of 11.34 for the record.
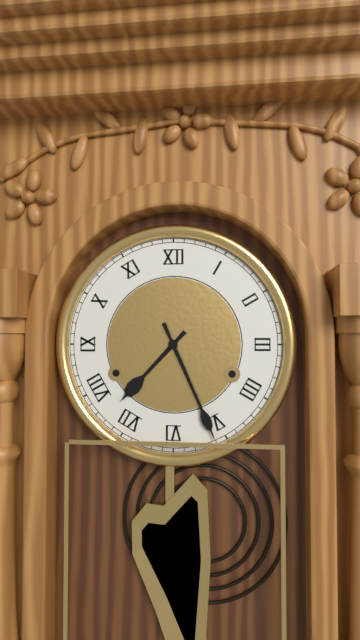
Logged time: 7.26
